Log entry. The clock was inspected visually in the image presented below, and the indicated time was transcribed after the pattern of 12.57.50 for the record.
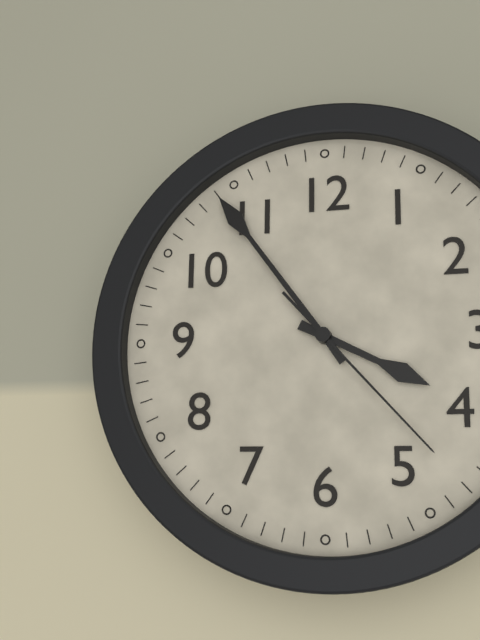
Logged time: 3.54.23
